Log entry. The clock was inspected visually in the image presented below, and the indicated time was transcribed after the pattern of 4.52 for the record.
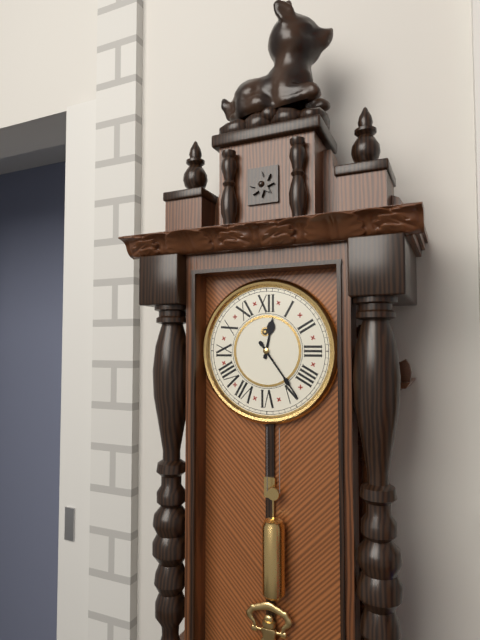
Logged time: 12.24
